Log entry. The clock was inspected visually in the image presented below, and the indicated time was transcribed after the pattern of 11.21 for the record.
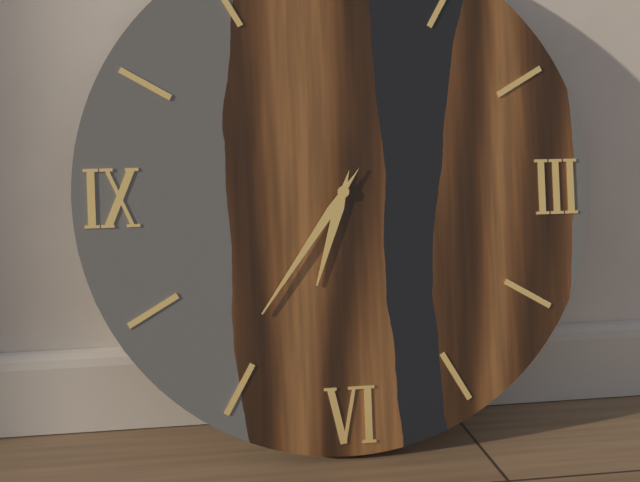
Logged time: 6.36
